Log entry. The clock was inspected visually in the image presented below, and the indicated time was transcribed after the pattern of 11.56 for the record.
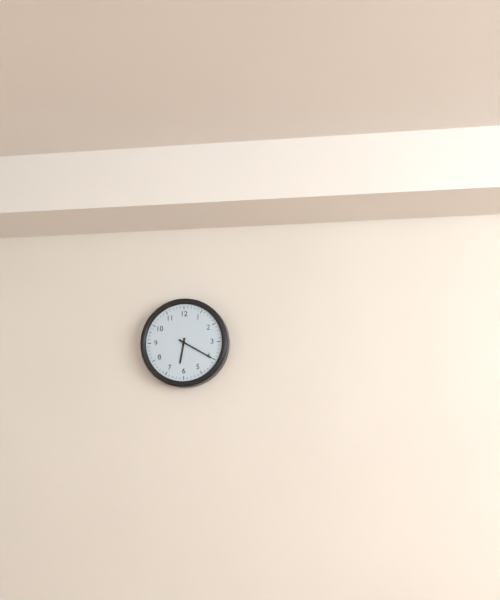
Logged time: 6.20
